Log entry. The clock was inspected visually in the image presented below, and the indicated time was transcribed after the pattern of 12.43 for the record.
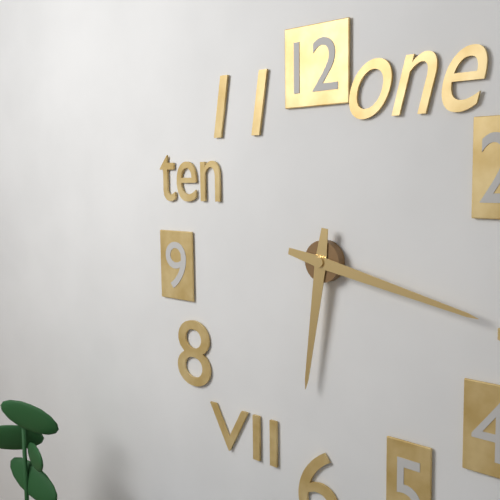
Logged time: 6.17
